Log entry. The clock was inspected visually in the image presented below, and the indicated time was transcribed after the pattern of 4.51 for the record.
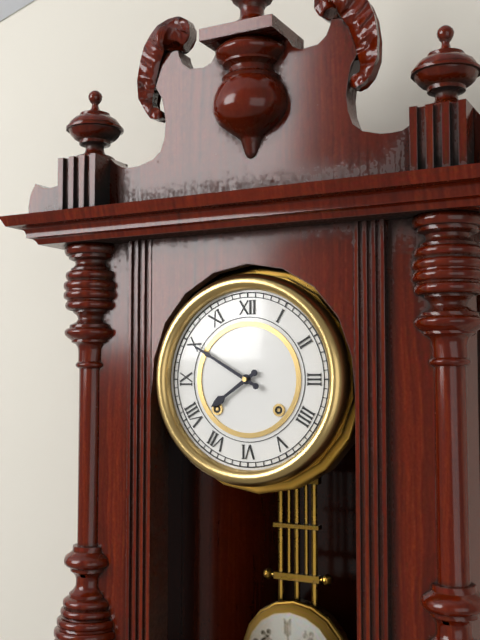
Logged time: 7.50
